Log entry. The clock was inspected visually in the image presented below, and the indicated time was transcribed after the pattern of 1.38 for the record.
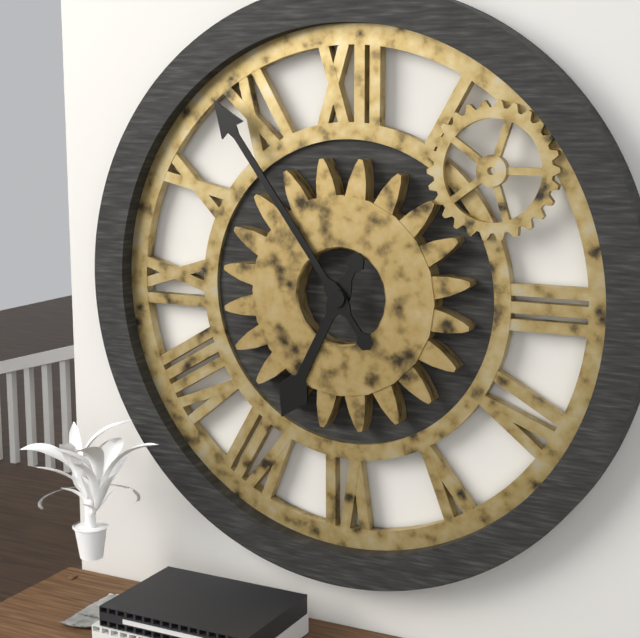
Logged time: 6.54
